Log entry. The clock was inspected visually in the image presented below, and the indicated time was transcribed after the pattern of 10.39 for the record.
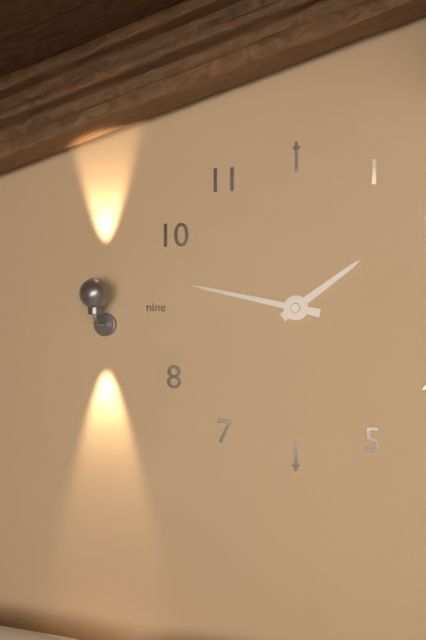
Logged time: 1.47
